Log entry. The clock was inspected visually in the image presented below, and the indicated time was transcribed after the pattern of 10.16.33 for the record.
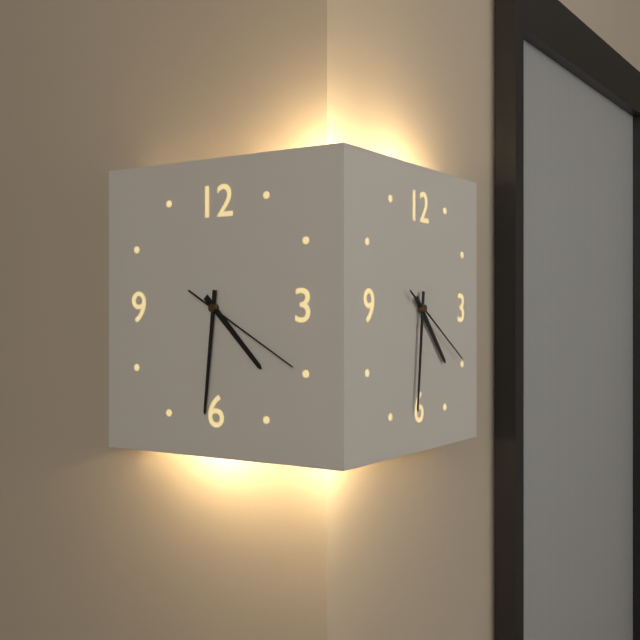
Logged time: 4.31.20
